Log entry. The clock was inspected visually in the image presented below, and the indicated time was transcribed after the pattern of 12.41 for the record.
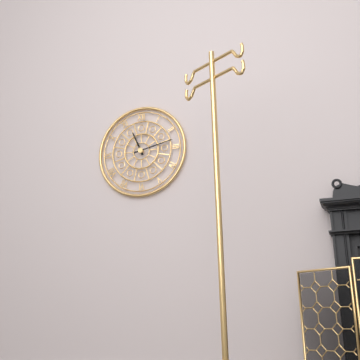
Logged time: 11.13
